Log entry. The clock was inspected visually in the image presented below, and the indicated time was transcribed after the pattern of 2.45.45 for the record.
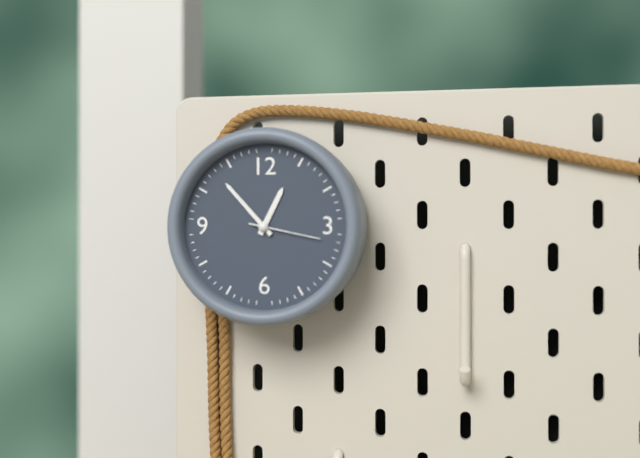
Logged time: 12.53.17
